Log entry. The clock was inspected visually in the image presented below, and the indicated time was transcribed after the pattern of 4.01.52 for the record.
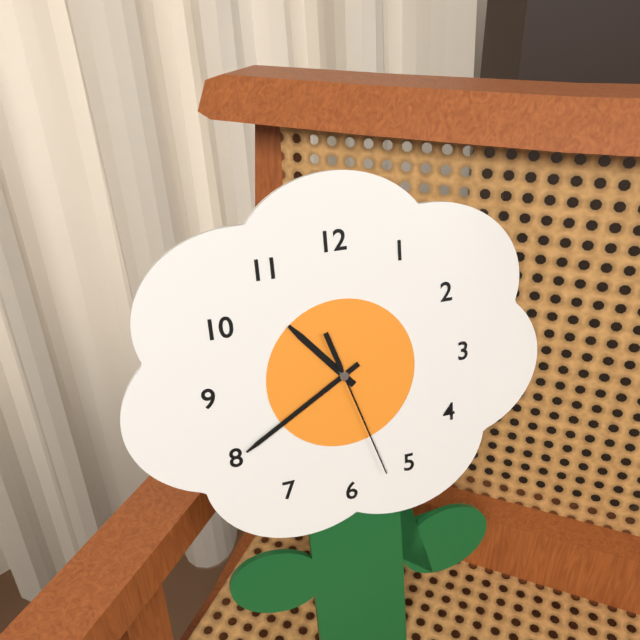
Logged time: 10.40.27
